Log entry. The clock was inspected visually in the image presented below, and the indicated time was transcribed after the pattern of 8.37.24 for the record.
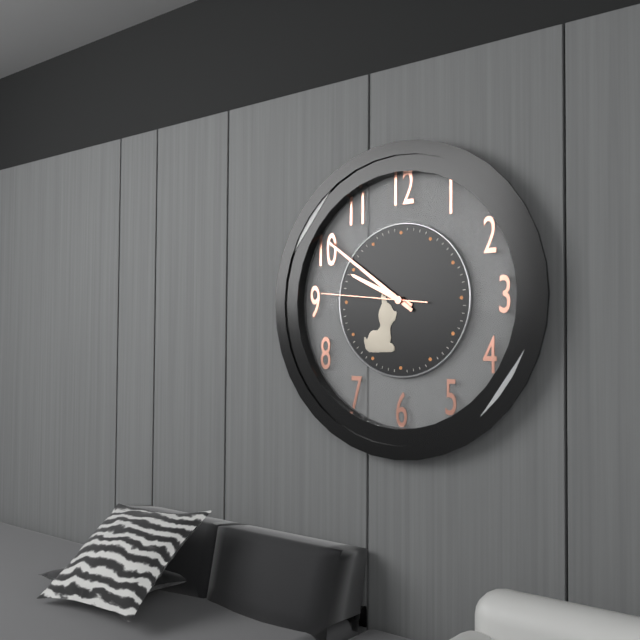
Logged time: 9.51.46
